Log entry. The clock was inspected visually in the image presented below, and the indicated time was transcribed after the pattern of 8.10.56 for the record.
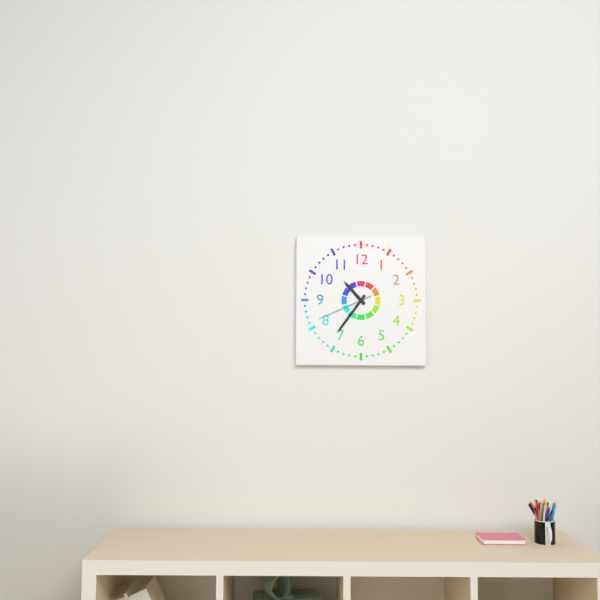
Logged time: 10.36.41
